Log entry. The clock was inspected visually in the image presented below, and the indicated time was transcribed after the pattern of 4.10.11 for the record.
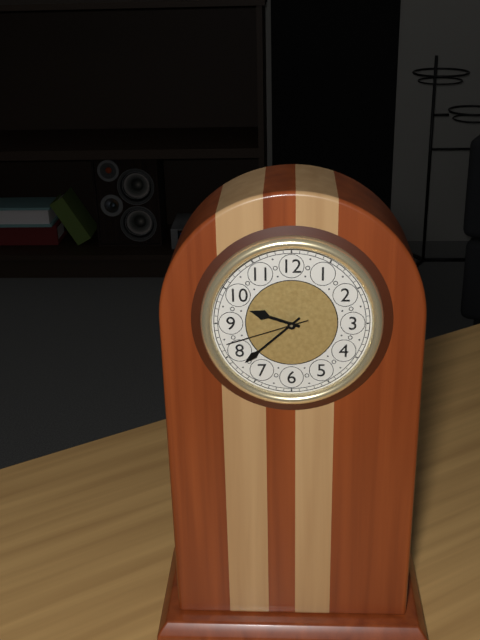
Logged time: 9.38.42
